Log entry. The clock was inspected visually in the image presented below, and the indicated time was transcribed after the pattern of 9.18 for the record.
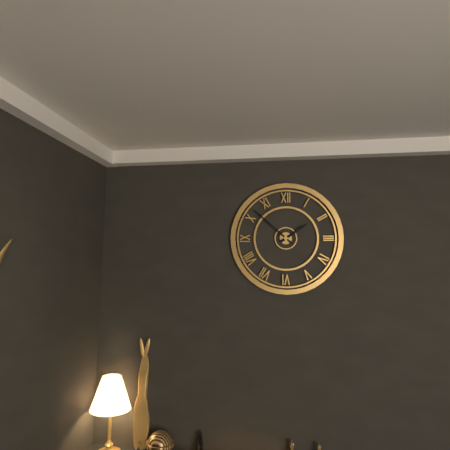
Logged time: 1.52
